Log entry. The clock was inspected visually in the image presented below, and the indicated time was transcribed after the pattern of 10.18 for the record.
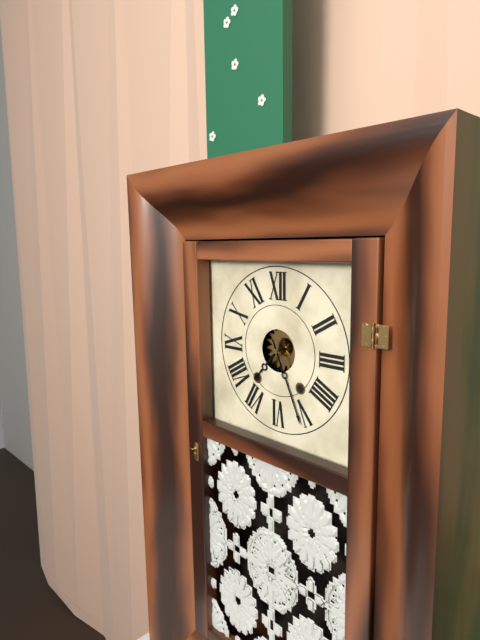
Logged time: 7.26
